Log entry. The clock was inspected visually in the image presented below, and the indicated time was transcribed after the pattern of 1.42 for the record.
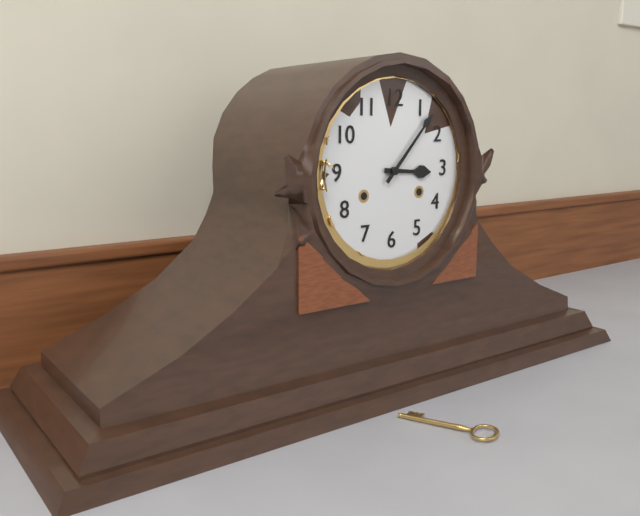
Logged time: 3.07
